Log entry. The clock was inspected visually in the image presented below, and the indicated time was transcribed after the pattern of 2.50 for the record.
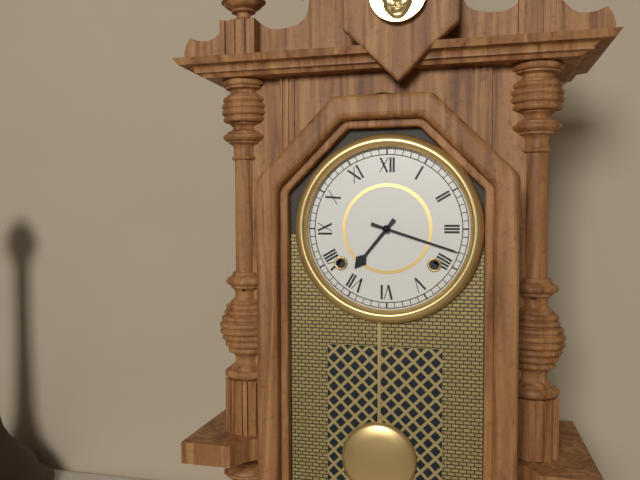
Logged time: 7.18
